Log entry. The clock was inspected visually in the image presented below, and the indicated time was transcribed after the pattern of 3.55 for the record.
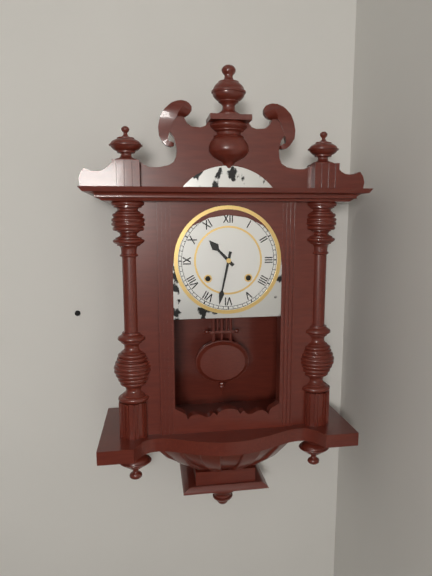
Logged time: 10.32
